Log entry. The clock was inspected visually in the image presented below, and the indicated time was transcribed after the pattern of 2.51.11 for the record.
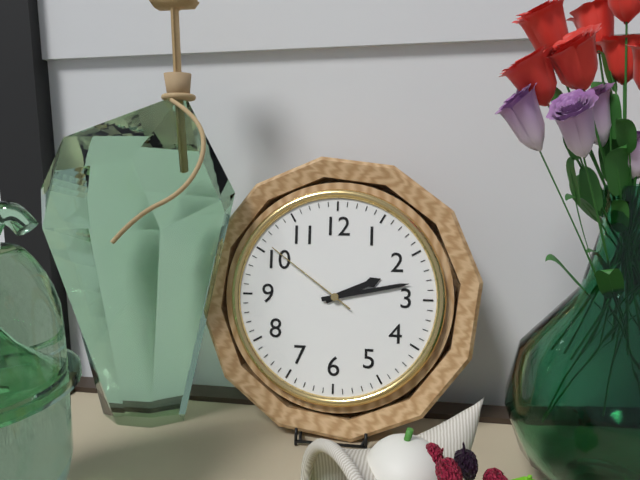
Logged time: 2.13.51
